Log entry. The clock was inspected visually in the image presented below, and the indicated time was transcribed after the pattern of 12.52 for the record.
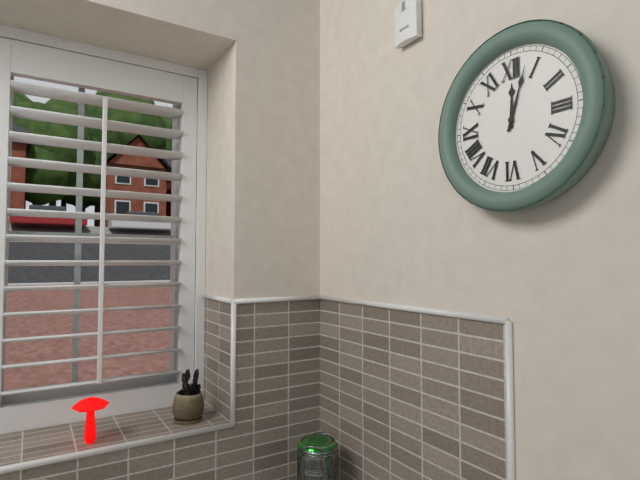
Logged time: 12.03
